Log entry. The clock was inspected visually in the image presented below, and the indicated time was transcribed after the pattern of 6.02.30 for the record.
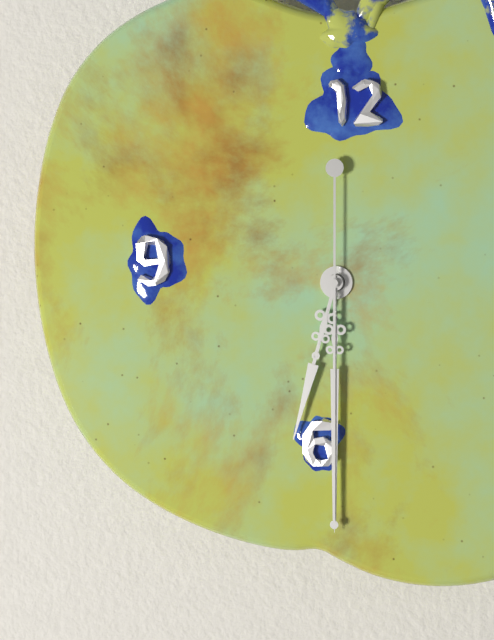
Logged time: 6.30.30
